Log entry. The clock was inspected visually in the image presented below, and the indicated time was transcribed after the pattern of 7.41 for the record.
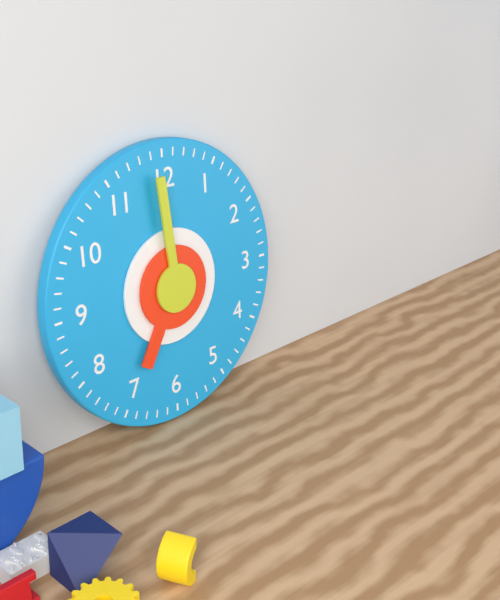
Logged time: 6.59
